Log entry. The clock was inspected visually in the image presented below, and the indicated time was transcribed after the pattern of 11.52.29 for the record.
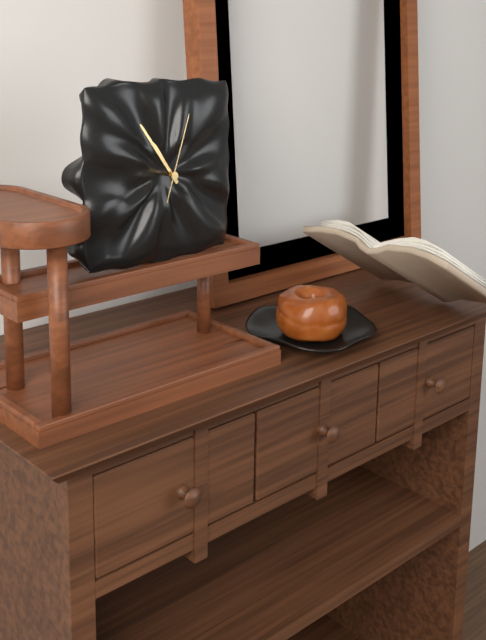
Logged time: 10.54.03
